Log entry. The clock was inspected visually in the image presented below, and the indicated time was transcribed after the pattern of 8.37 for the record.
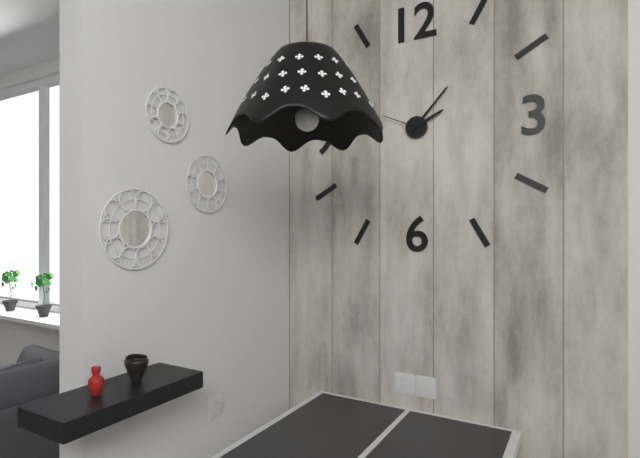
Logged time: 2.07
